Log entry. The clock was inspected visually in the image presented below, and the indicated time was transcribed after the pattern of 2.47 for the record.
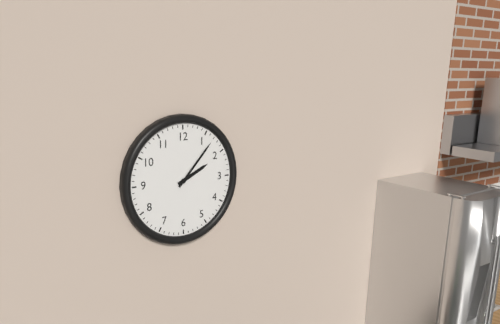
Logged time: 2.07
